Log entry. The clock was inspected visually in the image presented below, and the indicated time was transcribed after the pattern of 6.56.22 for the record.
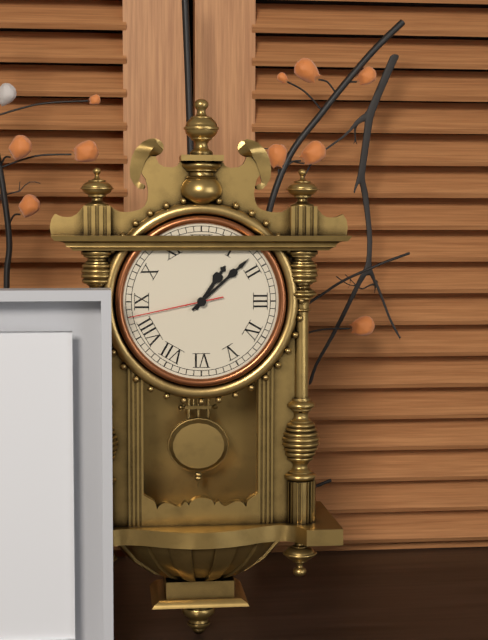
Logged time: 1.08.43
